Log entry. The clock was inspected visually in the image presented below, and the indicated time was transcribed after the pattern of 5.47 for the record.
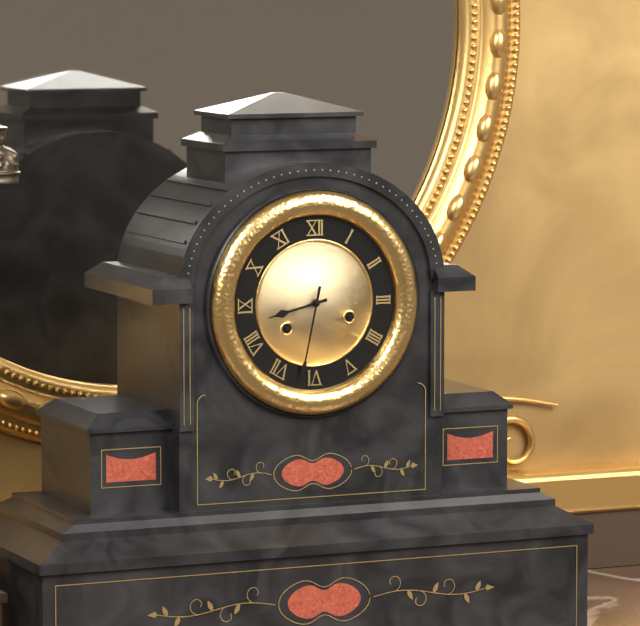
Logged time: 8.32
